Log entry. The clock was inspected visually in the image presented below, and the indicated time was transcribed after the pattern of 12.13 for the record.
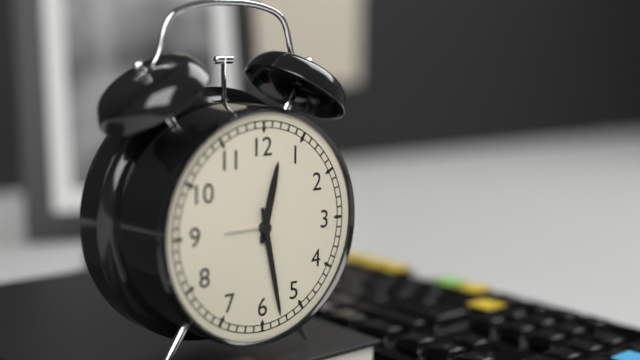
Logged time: 12.28
